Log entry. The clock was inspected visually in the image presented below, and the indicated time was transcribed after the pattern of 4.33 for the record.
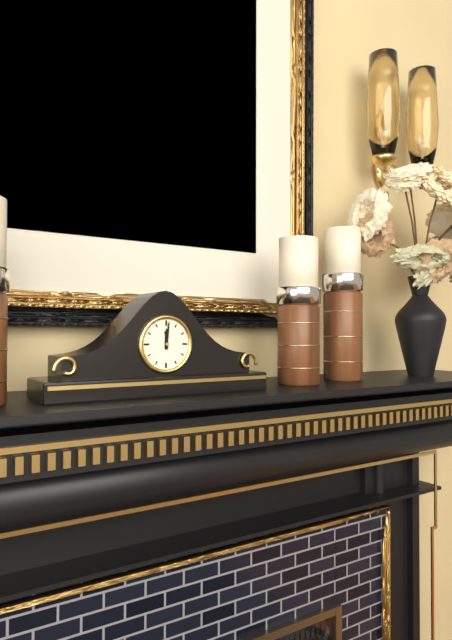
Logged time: 12.01
